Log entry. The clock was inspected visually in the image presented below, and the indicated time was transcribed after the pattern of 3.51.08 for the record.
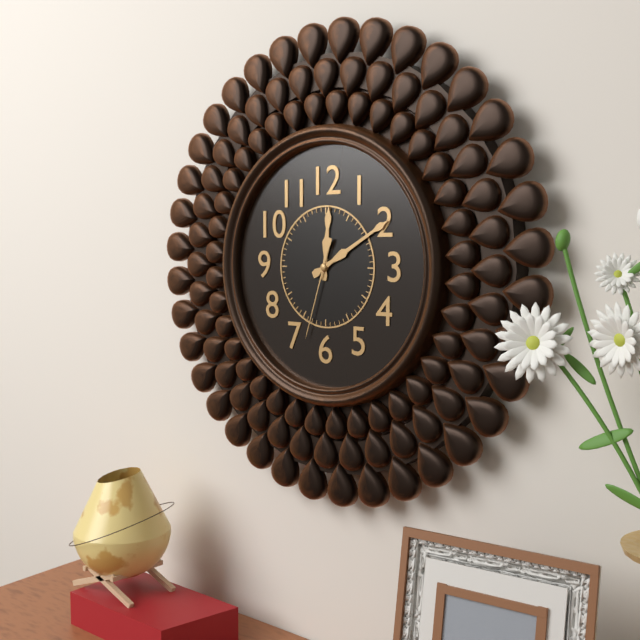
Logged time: 12.10.33
